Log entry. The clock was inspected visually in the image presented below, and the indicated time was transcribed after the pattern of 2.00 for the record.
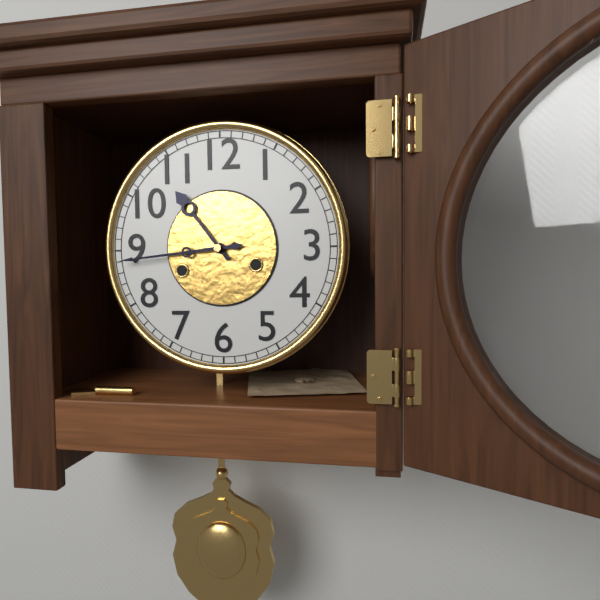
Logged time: 10.44
